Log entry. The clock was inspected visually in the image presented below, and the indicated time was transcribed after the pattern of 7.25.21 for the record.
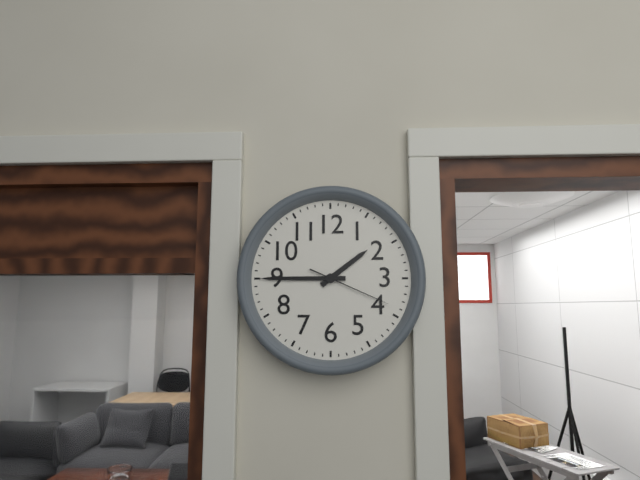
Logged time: 1.45.19
